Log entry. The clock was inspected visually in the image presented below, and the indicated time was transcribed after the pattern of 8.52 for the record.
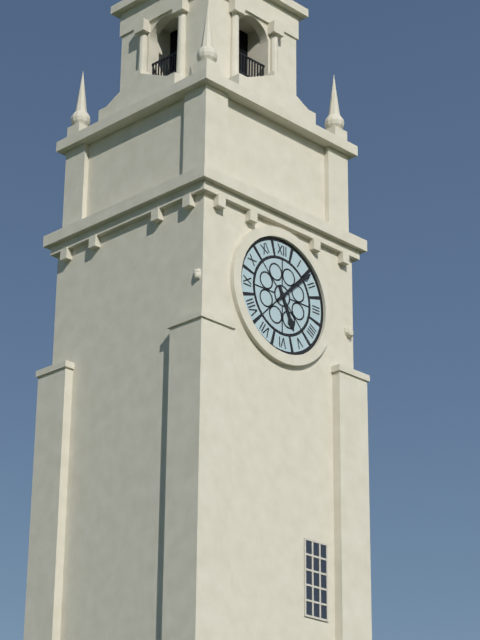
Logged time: 5.08
